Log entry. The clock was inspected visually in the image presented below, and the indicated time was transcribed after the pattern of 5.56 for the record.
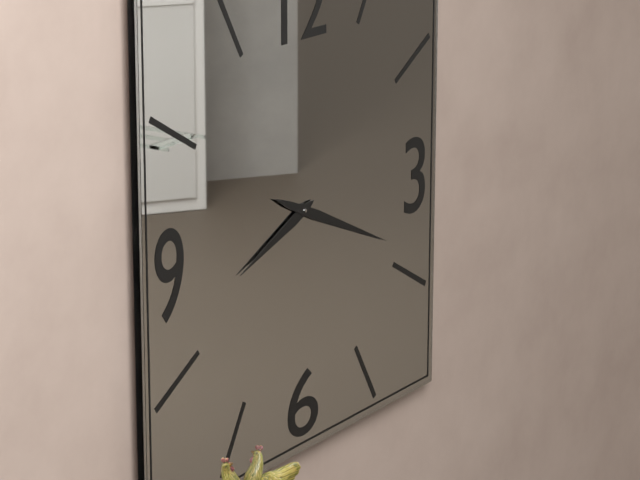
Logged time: 8.19
